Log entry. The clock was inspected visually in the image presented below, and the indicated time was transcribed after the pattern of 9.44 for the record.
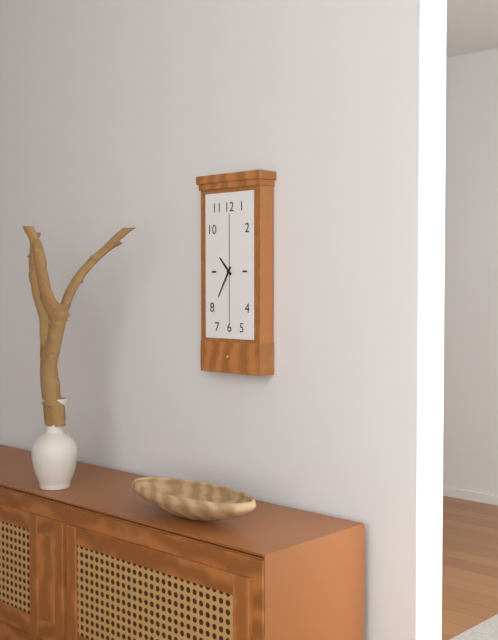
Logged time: 10.35
